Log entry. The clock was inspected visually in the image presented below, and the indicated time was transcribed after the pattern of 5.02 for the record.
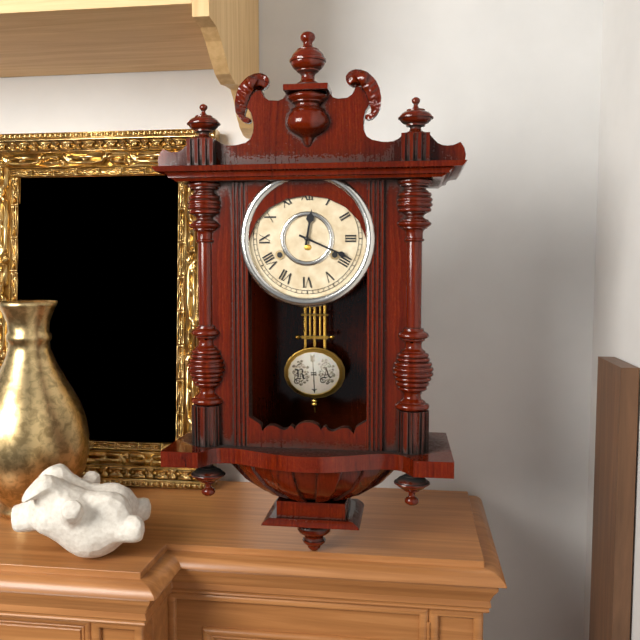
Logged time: 12.19
